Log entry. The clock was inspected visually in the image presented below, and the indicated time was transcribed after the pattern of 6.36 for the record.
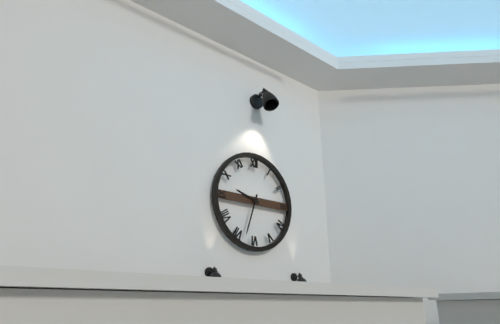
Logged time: 9.33
